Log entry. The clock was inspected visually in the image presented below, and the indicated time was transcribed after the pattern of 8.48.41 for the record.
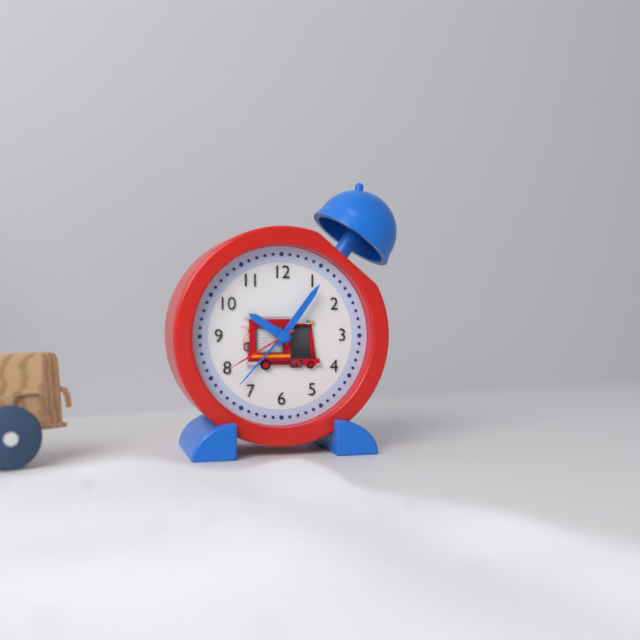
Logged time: 10.06.40
